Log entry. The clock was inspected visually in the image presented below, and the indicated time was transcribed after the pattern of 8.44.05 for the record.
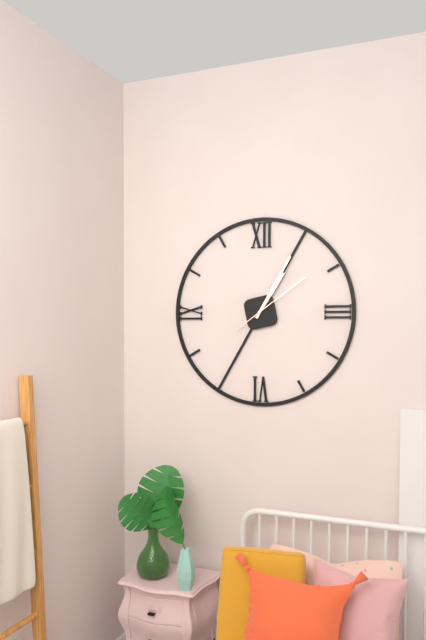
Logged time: 1.05.09
